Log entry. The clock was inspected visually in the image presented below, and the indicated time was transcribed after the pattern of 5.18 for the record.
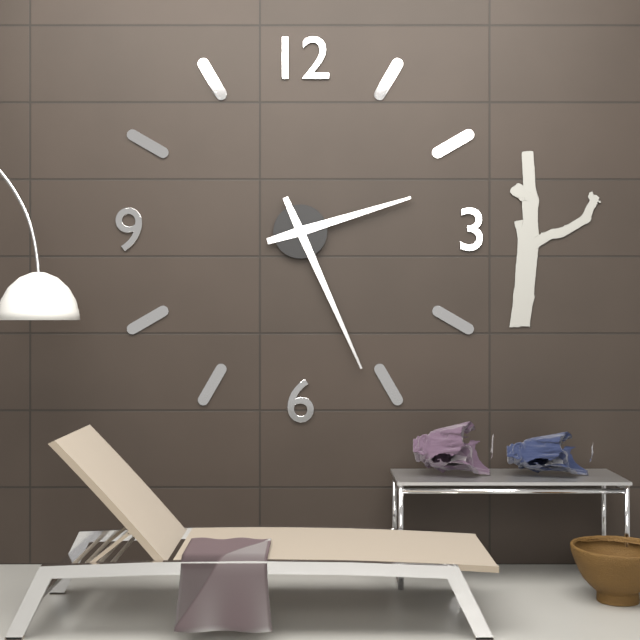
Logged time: 2.26
